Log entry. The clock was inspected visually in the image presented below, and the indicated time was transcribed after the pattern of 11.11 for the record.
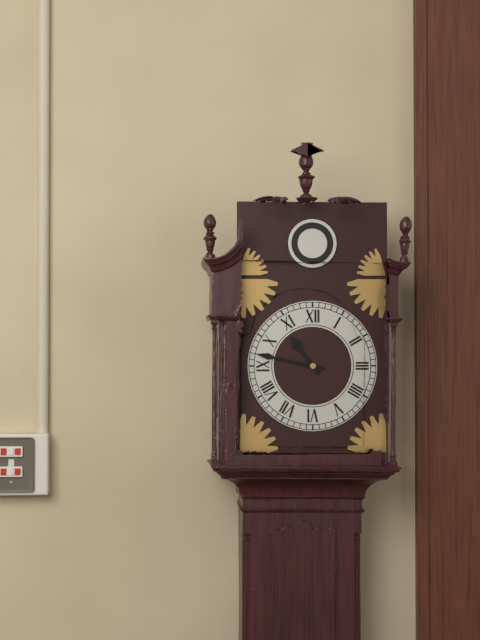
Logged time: 10.47
